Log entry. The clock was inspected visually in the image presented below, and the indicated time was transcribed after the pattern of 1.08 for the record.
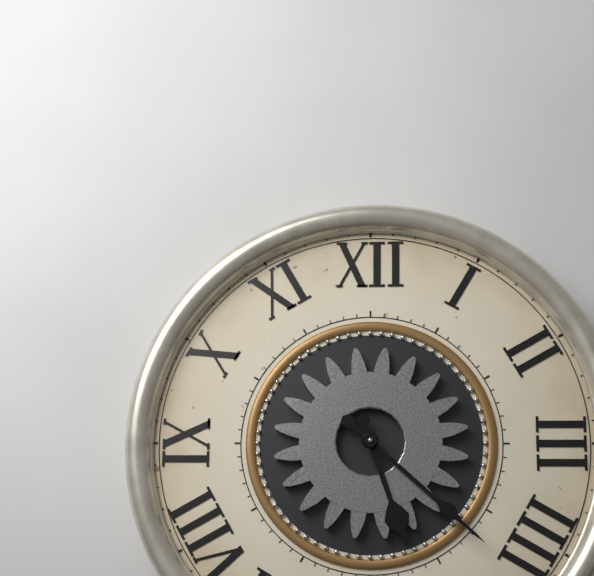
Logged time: 5.22
